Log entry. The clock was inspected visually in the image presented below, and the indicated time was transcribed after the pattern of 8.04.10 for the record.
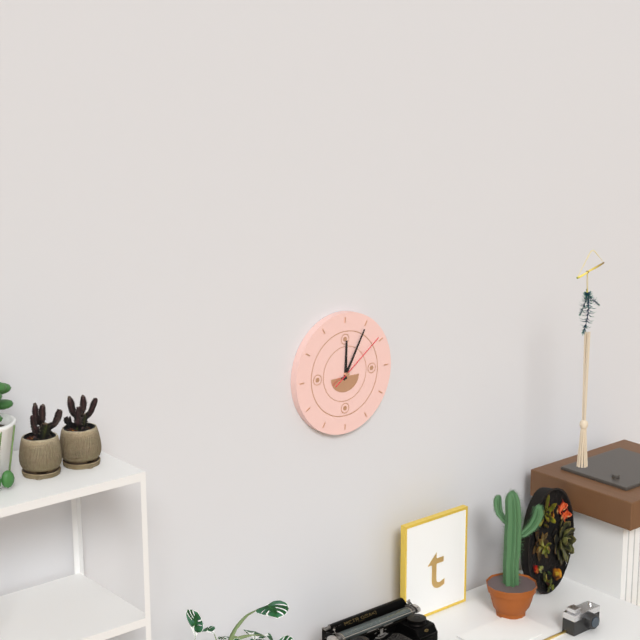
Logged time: 12.05.09
